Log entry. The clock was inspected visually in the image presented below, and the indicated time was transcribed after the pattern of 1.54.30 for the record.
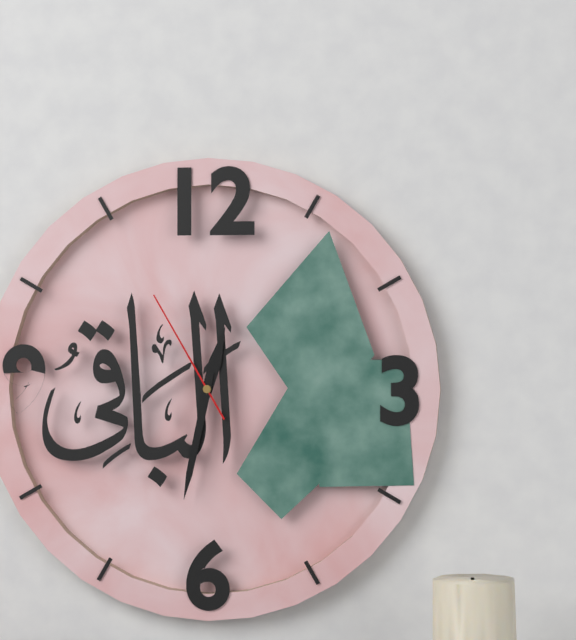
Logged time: 12.32.55
